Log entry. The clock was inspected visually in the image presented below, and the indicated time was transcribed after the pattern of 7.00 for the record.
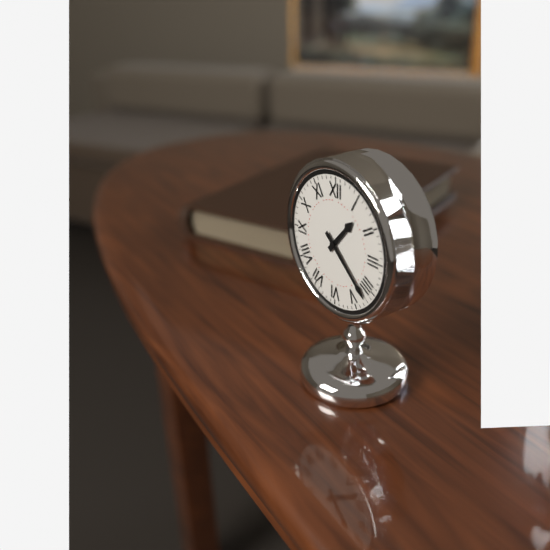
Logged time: 1.22
